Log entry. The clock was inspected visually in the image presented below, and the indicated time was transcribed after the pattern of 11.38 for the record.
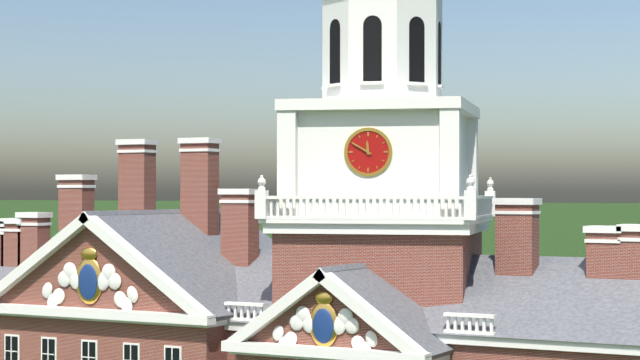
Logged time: 11.50
